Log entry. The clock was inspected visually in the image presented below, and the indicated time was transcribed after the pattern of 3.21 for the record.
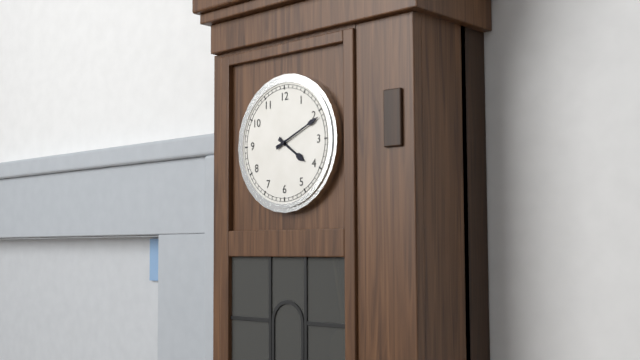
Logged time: 4.11
